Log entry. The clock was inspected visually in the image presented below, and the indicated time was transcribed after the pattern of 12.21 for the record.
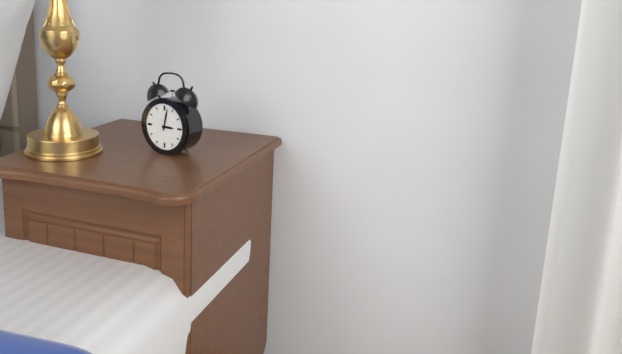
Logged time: 3.02
